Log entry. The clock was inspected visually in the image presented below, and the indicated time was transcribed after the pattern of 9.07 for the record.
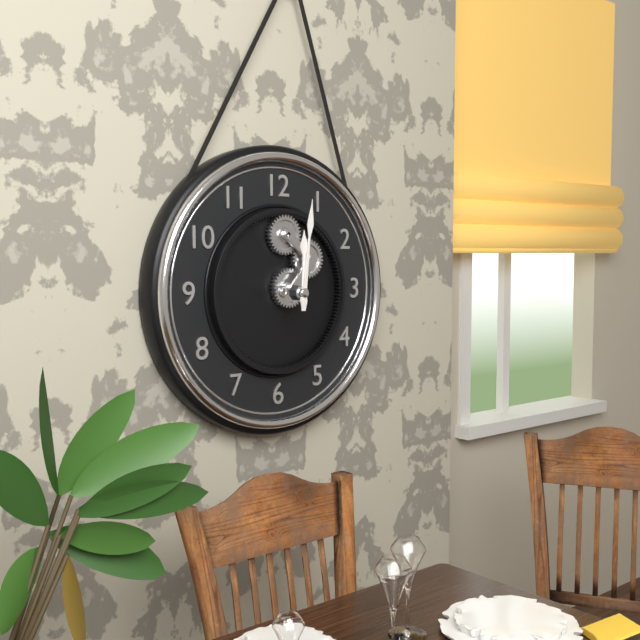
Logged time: 12.01
